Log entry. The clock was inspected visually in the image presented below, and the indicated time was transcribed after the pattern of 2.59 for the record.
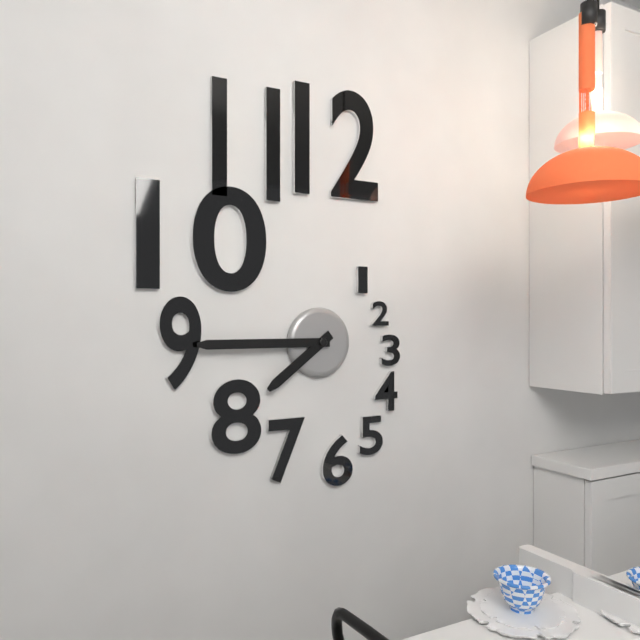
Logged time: 7.45
